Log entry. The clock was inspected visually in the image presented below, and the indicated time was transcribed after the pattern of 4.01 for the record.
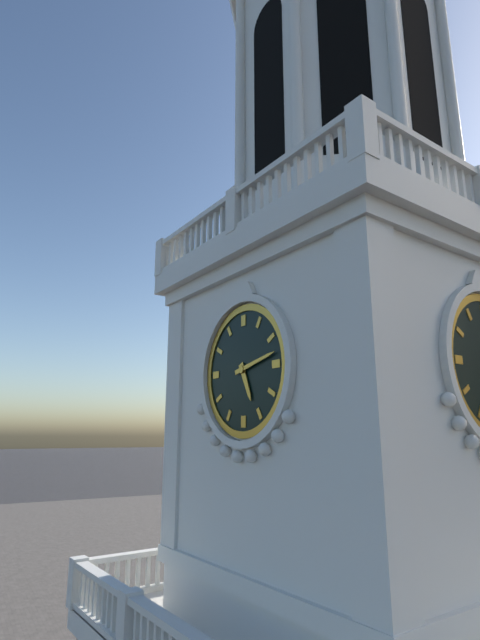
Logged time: 5.13
